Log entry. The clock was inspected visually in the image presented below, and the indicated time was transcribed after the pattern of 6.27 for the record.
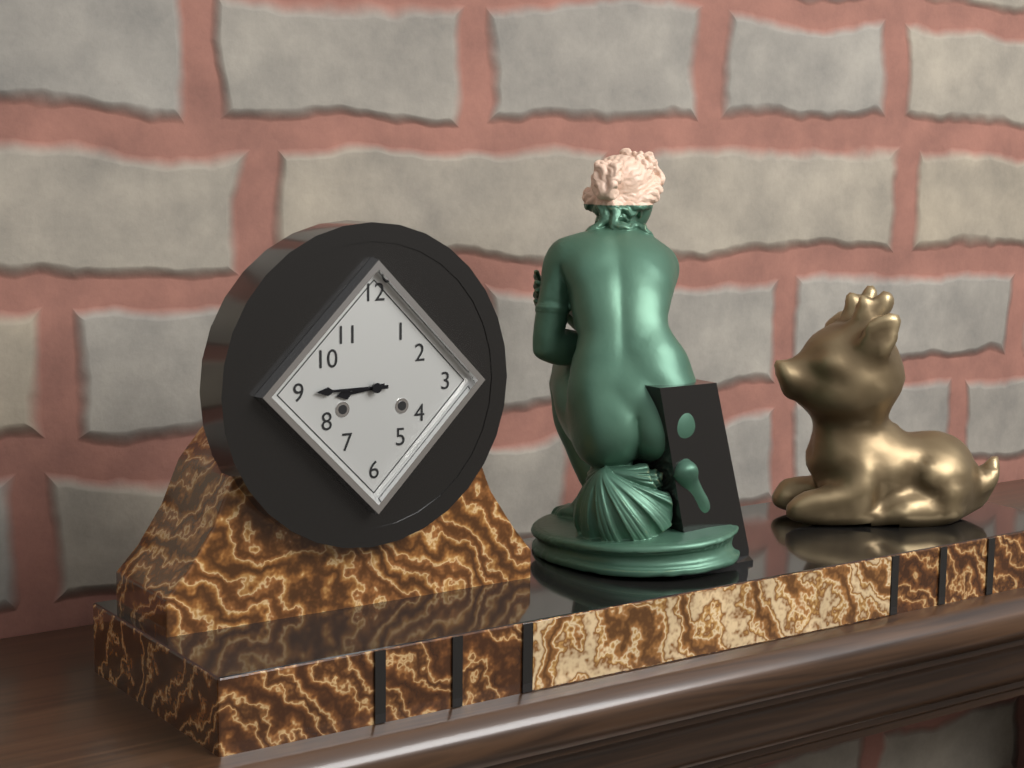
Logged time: 8.45
